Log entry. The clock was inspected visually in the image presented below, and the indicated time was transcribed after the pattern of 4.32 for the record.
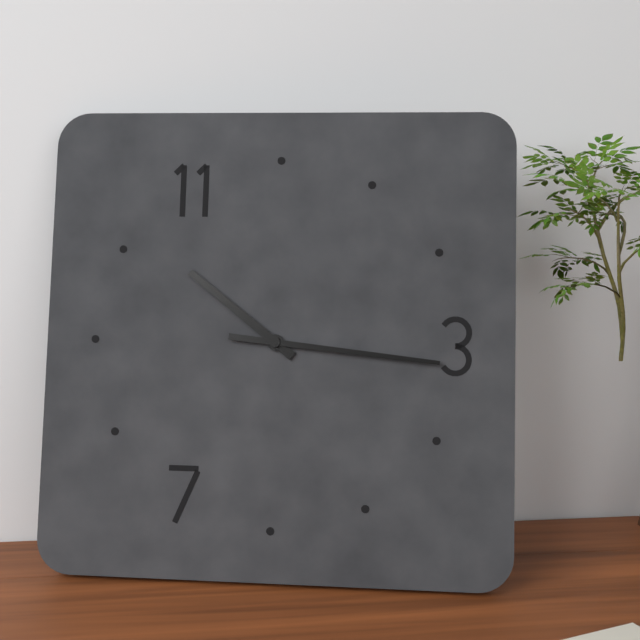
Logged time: 10.16
